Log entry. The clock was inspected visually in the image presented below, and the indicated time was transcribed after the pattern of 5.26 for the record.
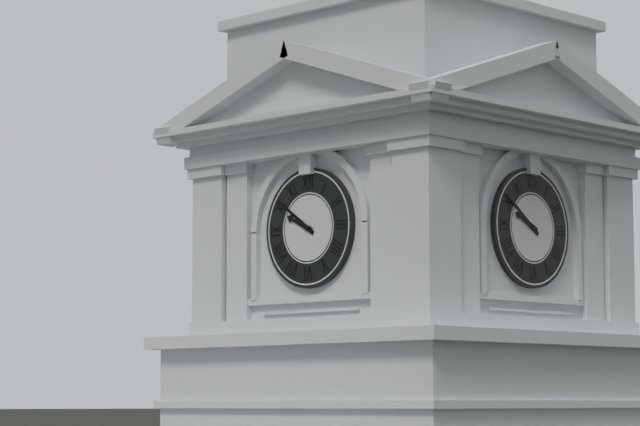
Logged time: 9.51
